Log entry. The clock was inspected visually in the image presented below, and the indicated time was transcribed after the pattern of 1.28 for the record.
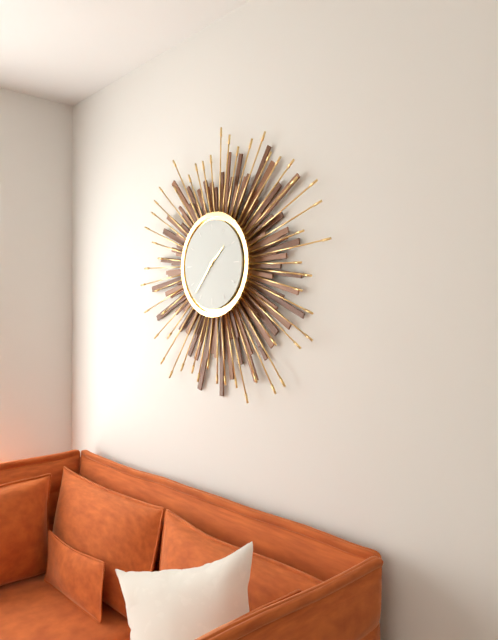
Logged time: 1.37
